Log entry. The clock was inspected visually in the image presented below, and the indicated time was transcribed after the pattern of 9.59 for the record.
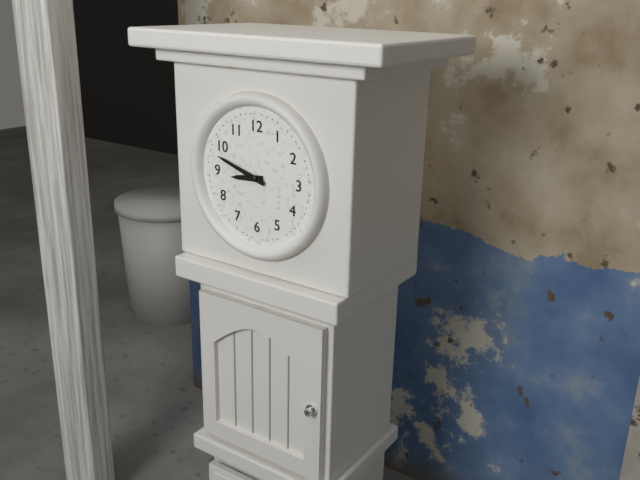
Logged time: 8.48
